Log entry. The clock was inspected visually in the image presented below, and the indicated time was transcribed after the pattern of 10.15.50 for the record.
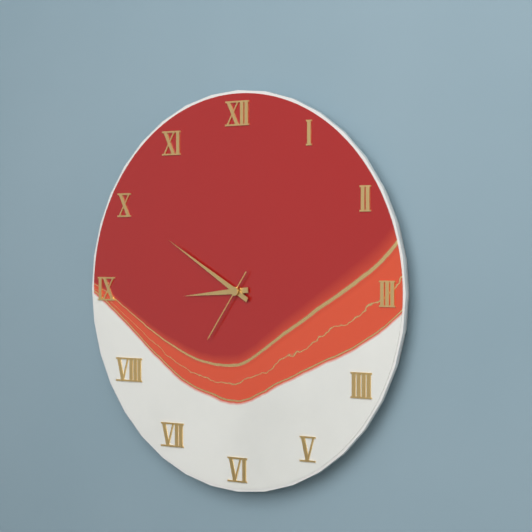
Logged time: 8.50.36
